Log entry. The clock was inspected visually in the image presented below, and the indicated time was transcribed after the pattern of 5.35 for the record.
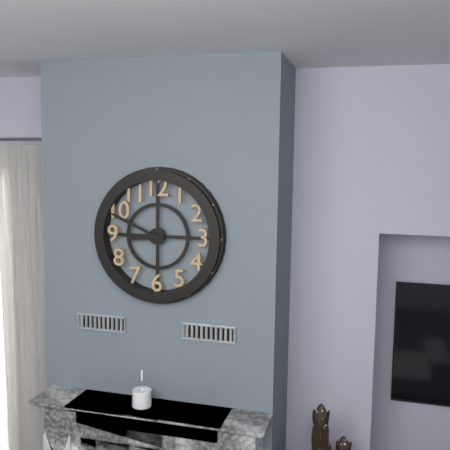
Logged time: 8.49
